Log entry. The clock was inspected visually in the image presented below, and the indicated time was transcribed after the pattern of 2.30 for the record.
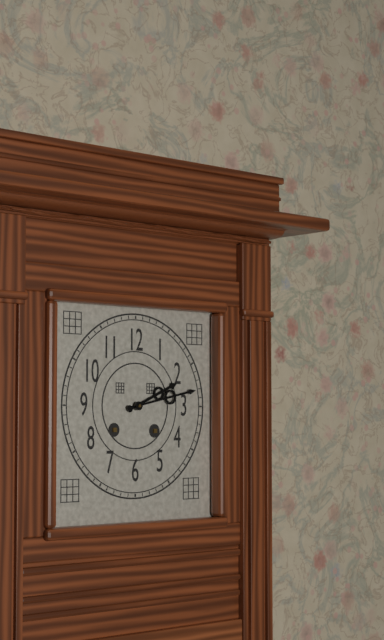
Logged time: 2.13
